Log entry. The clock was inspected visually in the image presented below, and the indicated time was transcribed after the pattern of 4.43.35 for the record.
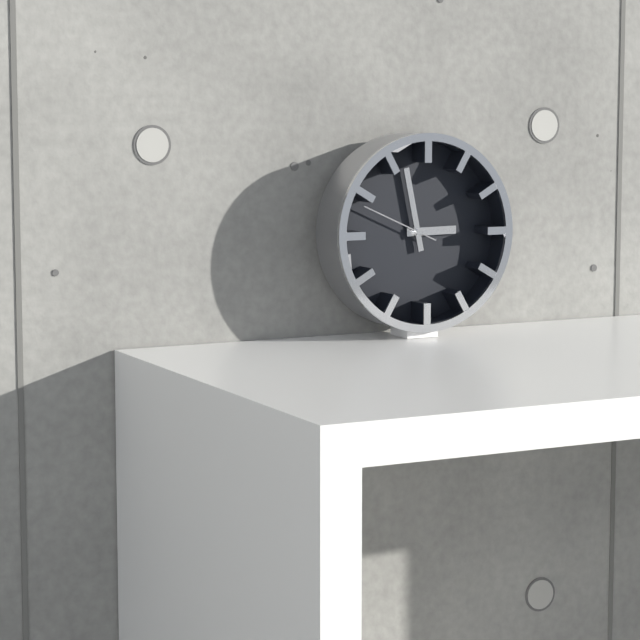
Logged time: 2.58.49
